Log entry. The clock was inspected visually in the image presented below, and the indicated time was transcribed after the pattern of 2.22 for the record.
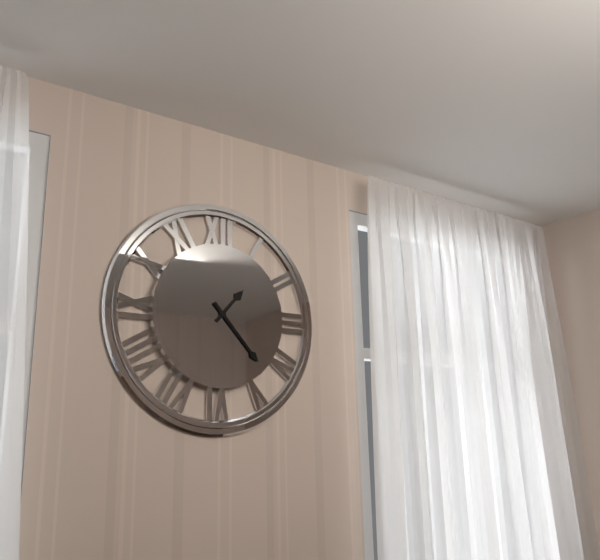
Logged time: 1.23
